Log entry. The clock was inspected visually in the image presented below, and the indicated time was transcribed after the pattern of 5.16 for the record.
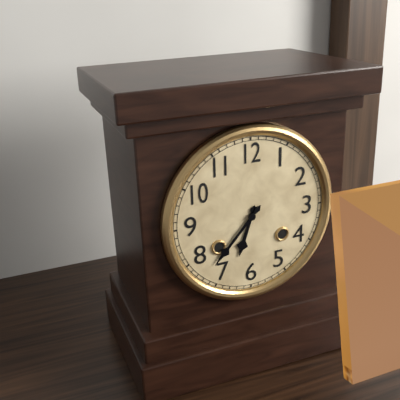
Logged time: 6.37
